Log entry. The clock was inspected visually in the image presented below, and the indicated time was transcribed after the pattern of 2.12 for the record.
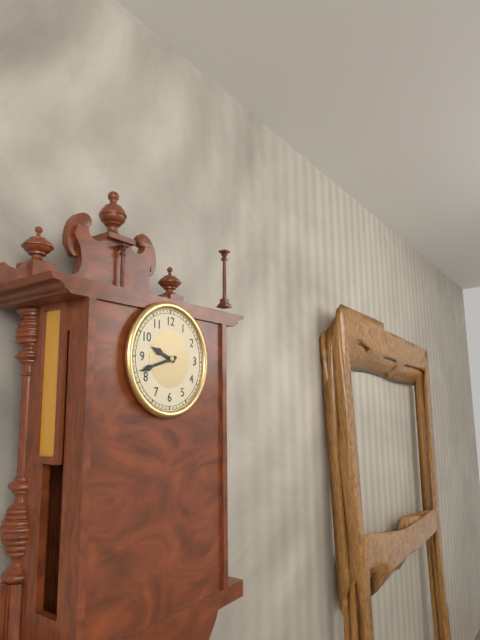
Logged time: 9.42
